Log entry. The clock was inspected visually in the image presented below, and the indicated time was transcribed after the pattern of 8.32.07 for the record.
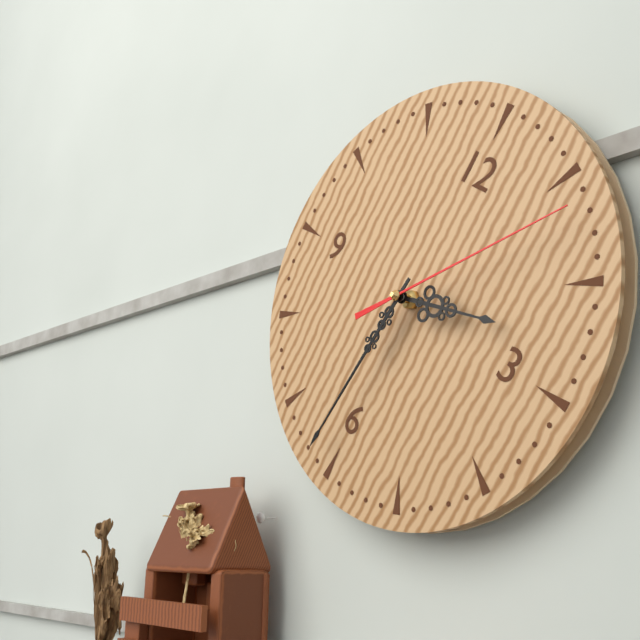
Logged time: 2.31.07
